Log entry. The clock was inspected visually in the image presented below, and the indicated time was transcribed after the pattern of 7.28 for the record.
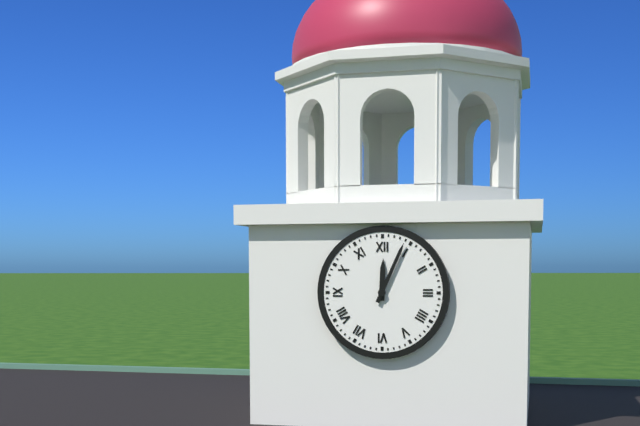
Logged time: 12.04
